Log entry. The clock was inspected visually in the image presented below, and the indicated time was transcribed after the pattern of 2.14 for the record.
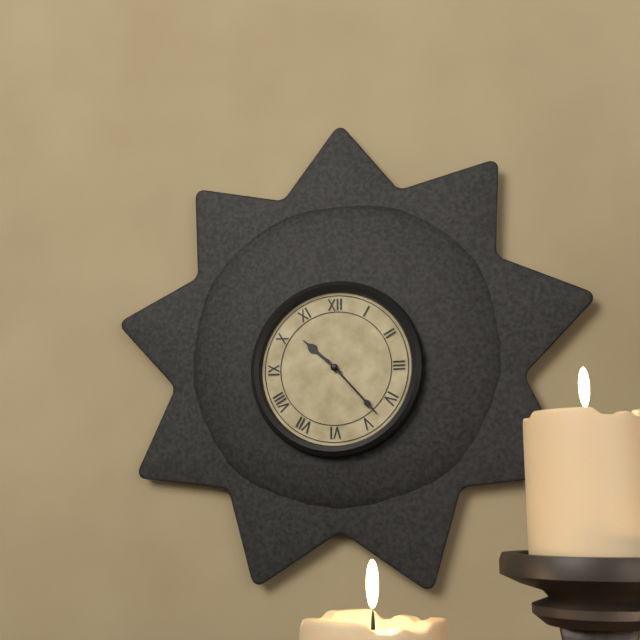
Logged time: 10.23
